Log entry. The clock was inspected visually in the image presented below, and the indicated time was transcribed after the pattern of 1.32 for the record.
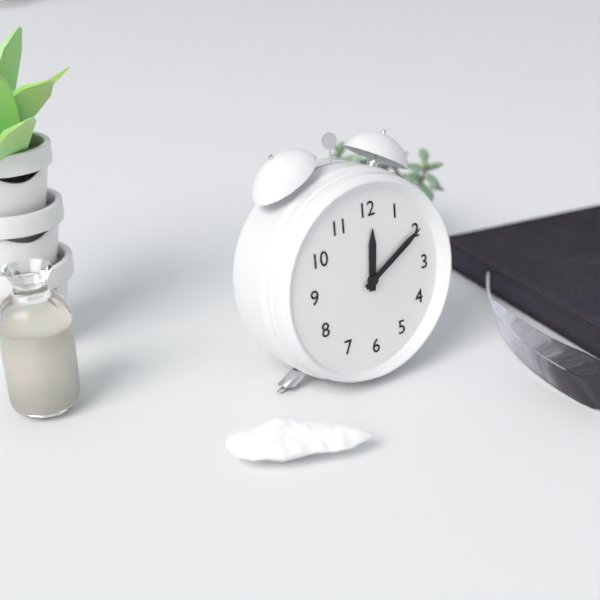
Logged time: 12.10
